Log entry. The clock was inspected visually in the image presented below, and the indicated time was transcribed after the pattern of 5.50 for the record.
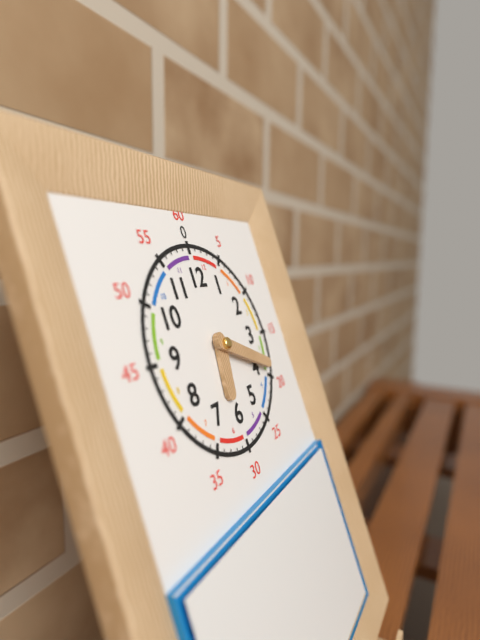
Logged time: 6.19
